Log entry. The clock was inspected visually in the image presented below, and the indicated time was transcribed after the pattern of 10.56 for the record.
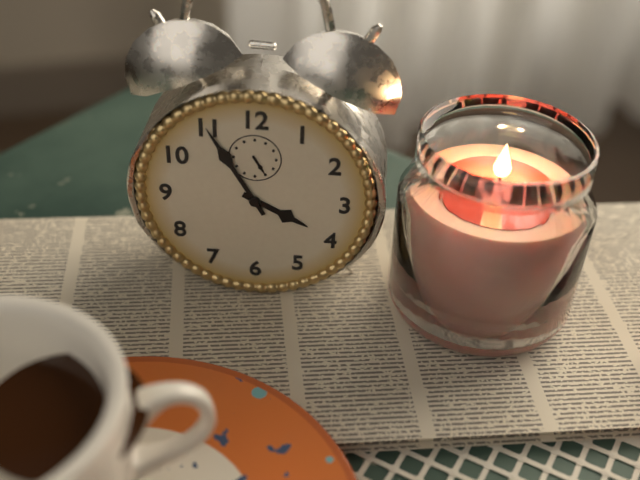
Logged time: 3.55
